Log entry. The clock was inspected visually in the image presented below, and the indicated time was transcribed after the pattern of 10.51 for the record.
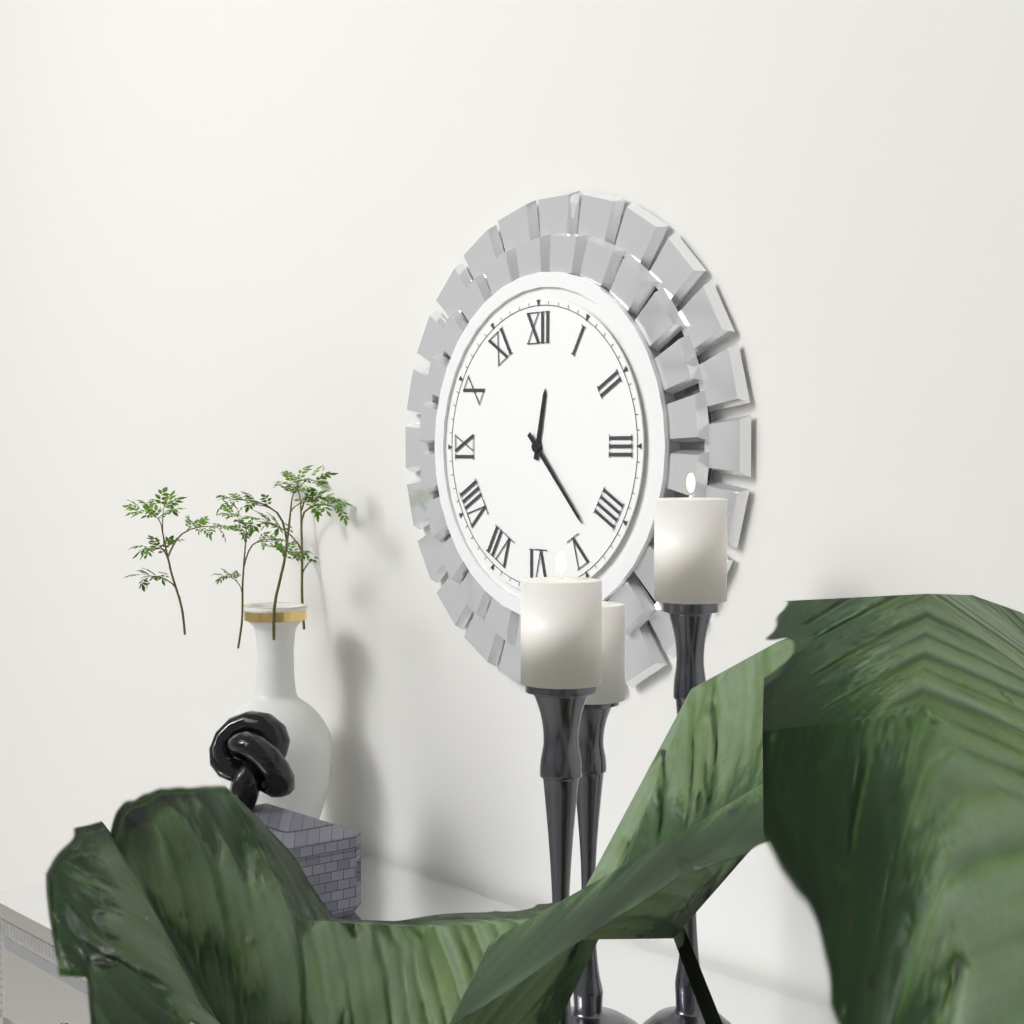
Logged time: 12.23
